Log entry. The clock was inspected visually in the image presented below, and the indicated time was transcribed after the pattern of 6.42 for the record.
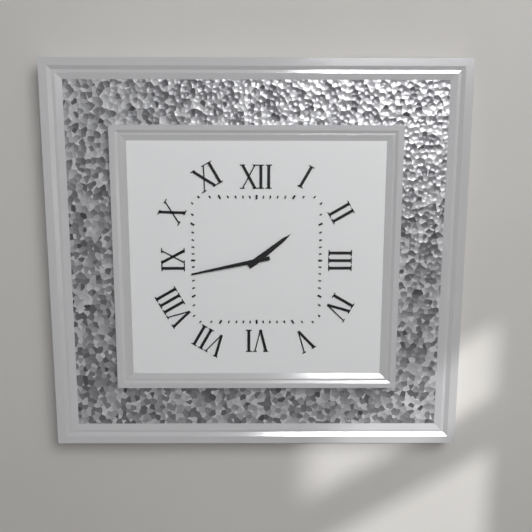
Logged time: 1.43
